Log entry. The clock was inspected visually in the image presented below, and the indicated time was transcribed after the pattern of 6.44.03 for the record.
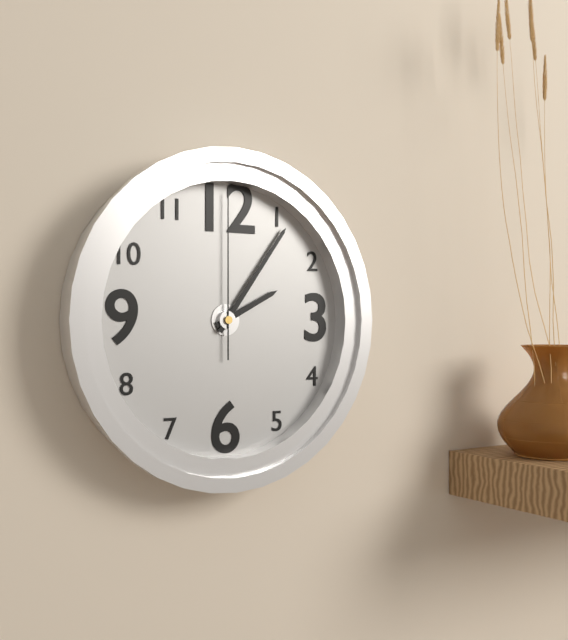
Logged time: 2.06.00
